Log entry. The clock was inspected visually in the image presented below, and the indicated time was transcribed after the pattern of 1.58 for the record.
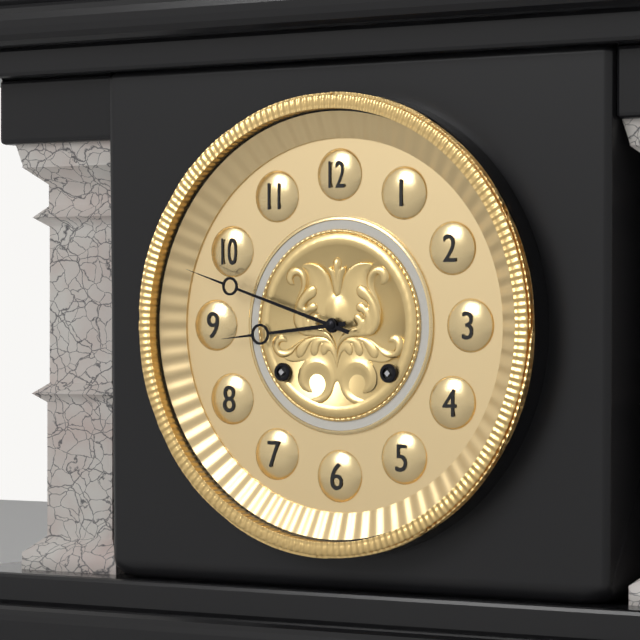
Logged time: 8.48
